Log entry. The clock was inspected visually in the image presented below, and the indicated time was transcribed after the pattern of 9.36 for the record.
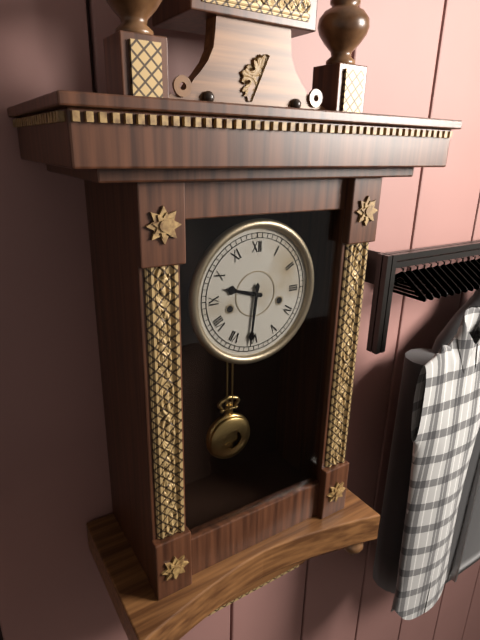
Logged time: 9.31
